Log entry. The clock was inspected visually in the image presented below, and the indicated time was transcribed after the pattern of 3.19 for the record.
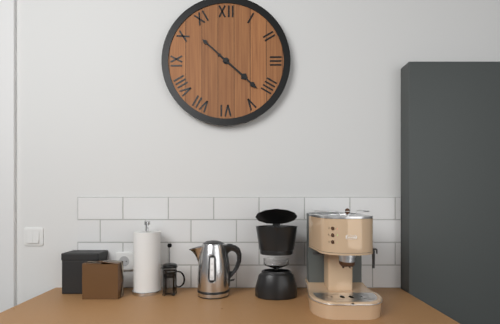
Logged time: 4.22
